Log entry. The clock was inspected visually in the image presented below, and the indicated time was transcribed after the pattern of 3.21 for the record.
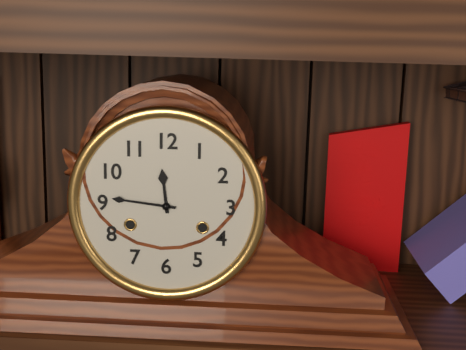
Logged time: 11.46
